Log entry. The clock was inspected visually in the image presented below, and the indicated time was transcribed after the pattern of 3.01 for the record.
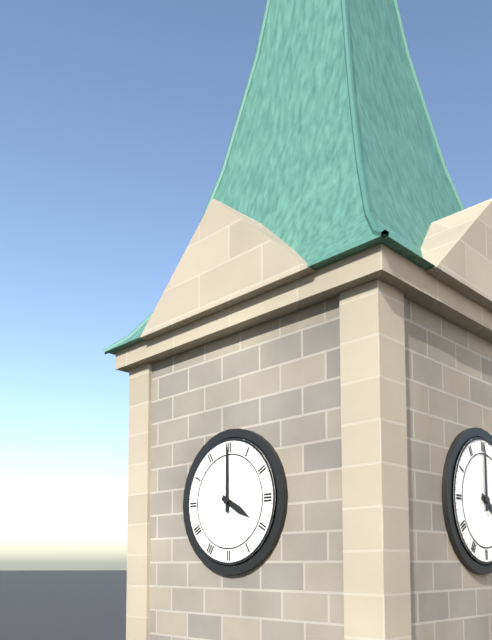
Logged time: 4.00
